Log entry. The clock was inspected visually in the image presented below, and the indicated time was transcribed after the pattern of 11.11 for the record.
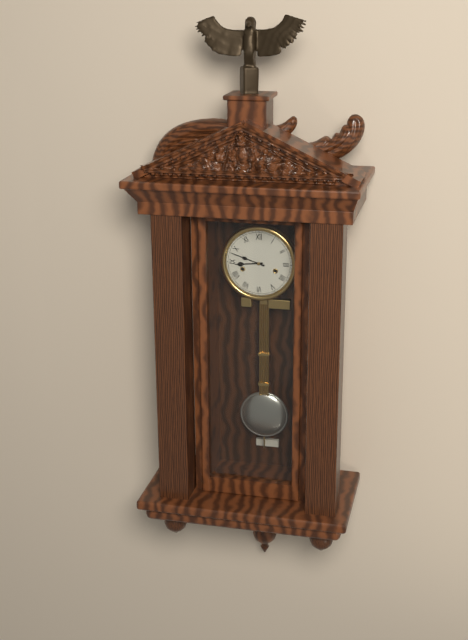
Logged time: 8.48
